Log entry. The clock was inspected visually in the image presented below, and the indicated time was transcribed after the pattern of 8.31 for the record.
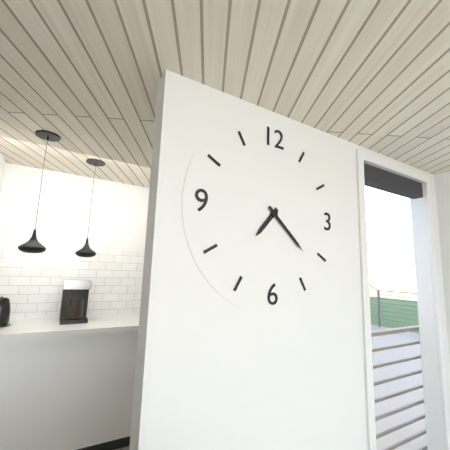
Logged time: 7.22
